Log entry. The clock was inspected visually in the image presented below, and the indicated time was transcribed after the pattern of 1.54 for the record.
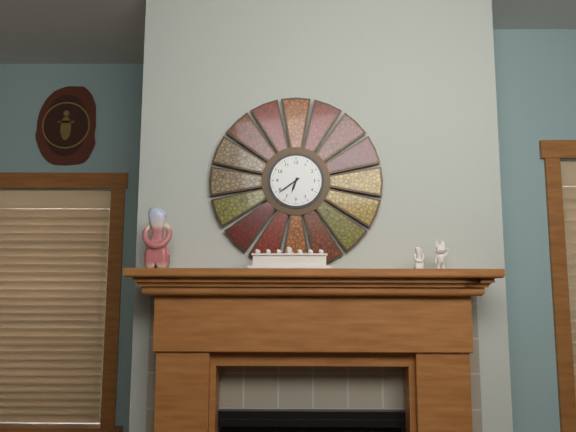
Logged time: 6.39
